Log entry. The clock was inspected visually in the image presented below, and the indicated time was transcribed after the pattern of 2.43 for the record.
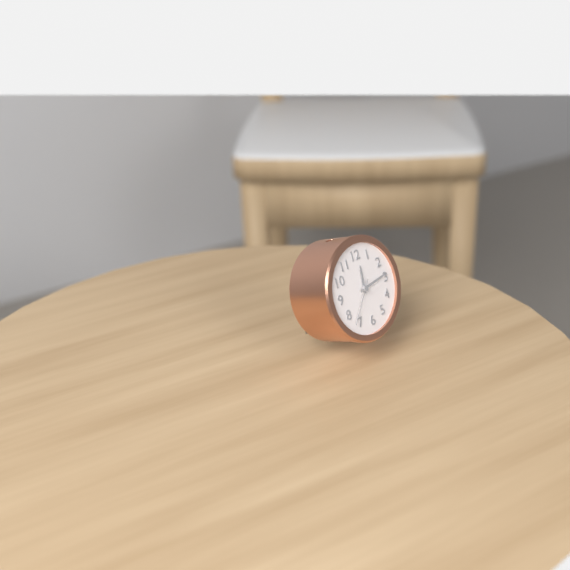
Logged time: 12.14
